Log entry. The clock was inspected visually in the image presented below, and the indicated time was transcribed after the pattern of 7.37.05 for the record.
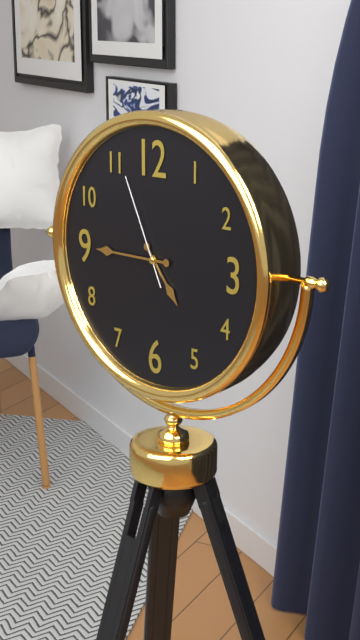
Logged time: 4.45.56
